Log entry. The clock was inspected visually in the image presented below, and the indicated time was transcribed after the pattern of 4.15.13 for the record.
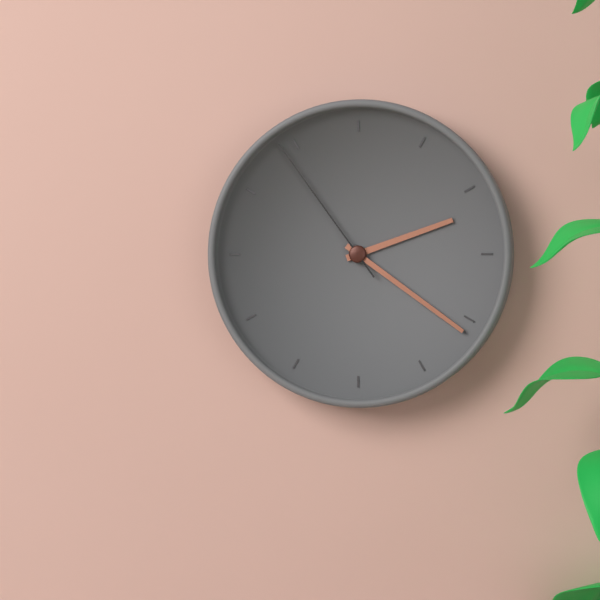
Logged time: 2.21.54
